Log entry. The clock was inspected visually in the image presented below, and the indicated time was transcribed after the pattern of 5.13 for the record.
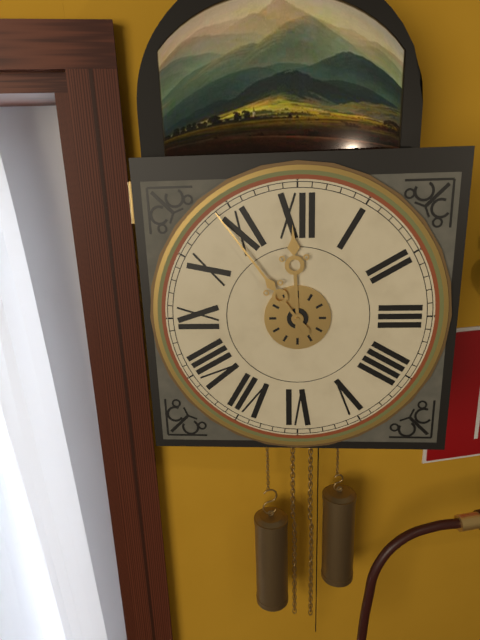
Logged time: 11.54
